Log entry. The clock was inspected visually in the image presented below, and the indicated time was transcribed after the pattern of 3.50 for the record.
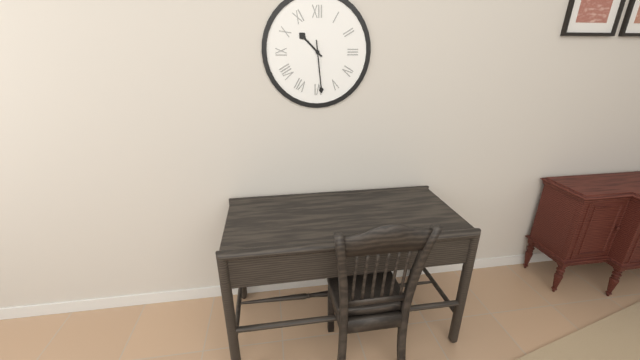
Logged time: 10.29
